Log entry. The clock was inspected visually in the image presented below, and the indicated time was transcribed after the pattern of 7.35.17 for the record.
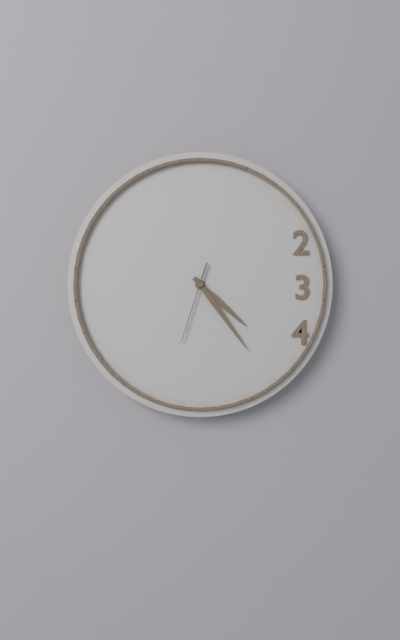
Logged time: 4.24.33
